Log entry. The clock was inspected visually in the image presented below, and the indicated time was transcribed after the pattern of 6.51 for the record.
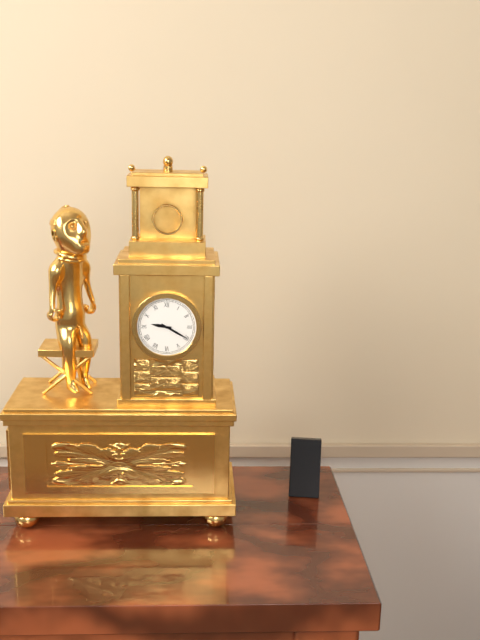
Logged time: 9.20
